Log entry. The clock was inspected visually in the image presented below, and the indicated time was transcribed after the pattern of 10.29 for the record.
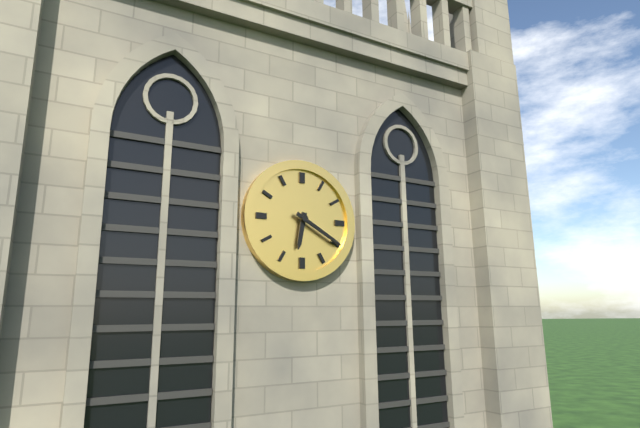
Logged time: 6.20
